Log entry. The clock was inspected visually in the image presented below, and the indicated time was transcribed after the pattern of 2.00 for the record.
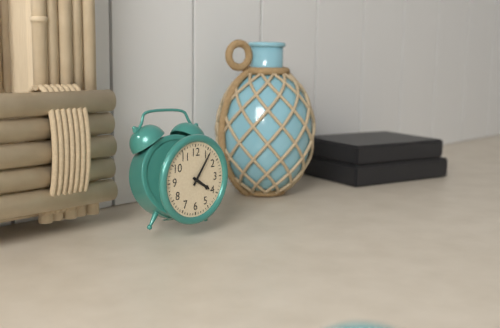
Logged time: 4.06
